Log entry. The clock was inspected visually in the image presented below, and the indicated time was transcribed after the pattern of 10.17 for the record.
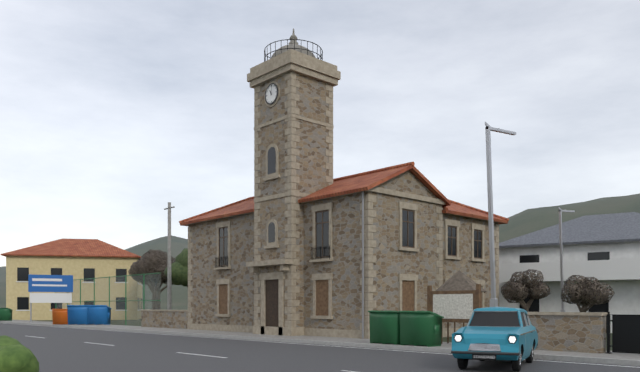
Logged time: 11.01
